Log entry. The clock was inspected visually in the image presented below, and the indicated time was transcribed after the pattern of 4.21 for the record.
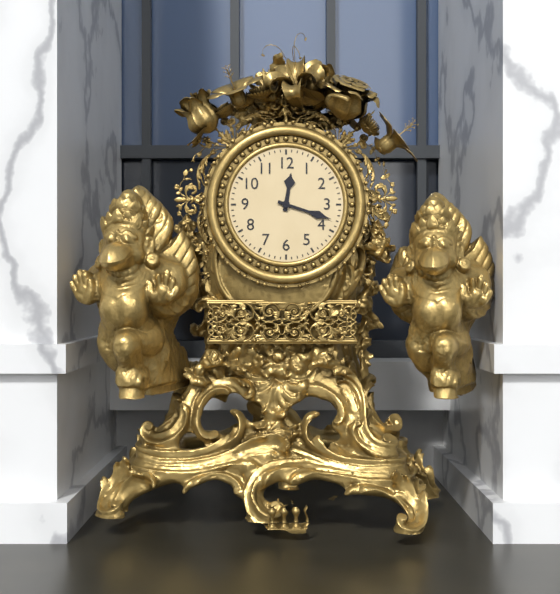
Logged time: 12.18
